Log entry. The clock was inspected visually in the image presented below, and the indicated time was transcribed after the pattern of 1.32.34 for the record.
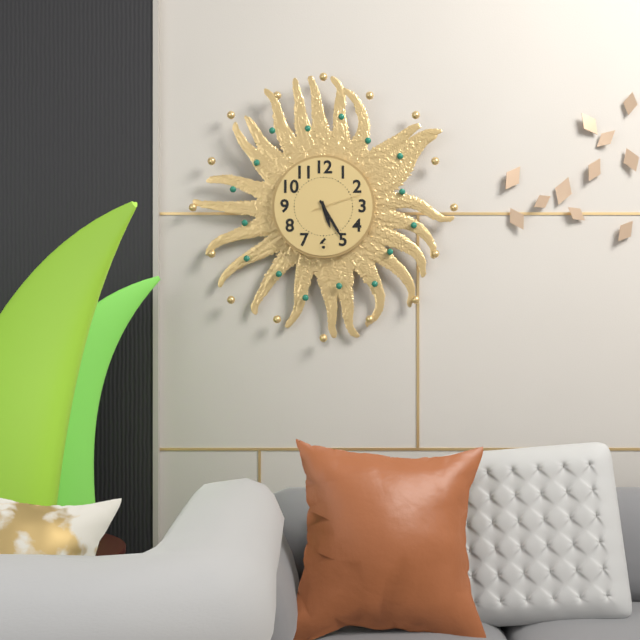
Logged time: 5.25.12
